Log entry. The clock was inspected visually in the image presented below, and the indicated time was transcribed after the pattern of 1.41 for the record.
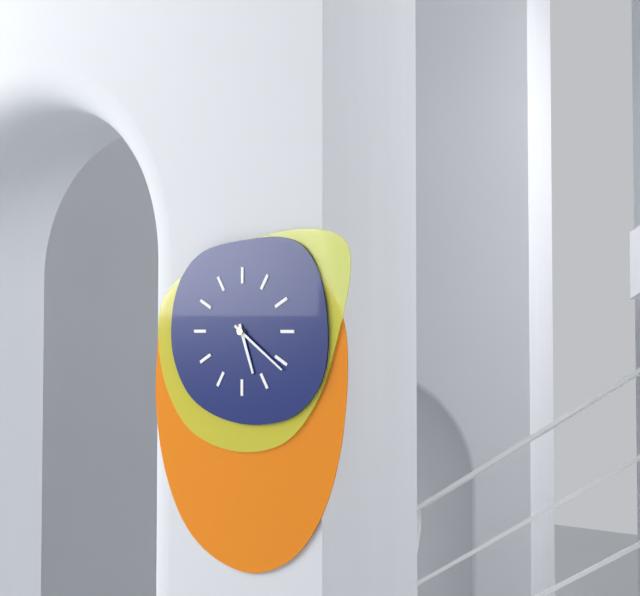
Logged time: 5.21
